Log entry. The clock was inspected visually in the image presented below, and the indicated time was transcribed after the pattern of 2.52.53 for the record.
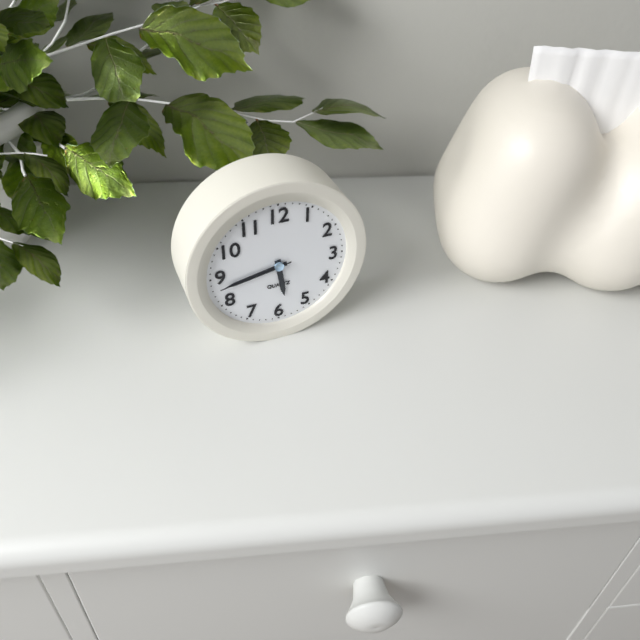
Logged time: 5.43.43
